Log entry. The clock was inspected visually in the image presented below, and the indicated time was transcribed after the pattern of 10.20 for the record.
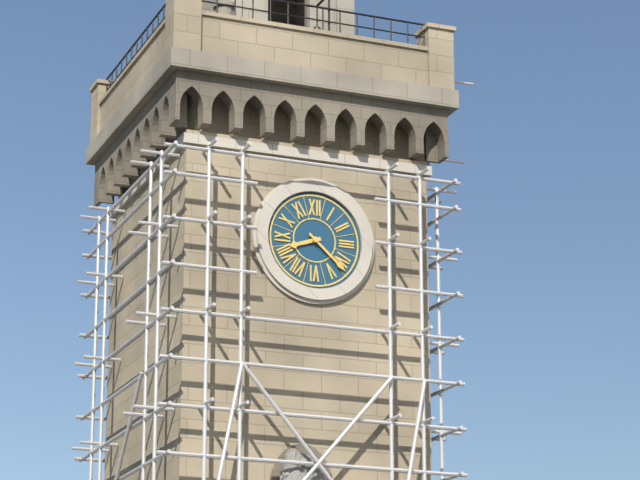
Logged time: 8.22
